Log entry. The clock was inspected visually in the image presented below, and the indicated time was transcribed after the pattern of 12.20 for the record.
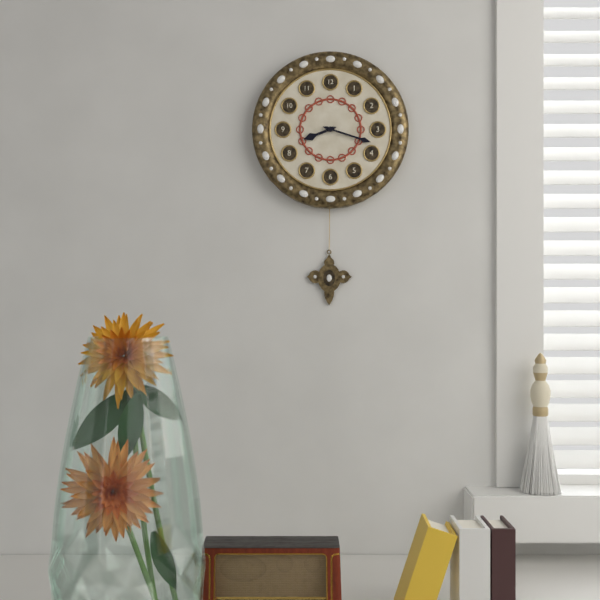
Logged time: 8.18
